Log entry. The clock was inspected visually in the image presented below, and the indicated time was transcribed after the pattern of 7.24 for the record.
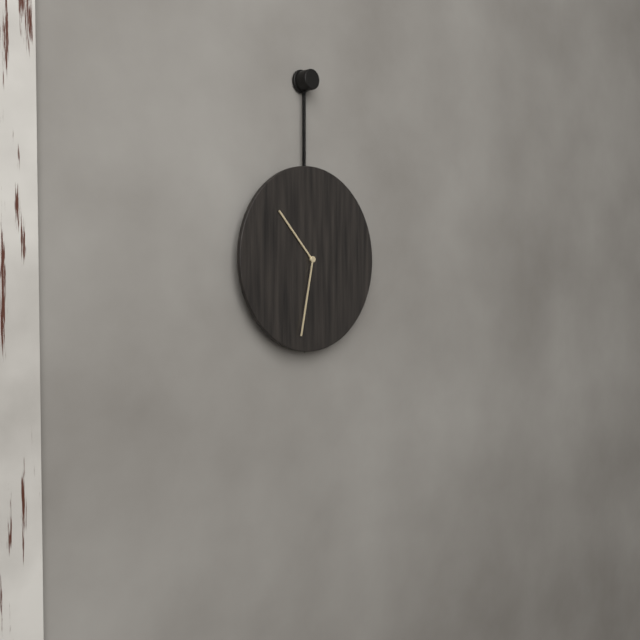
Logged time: 10.32
